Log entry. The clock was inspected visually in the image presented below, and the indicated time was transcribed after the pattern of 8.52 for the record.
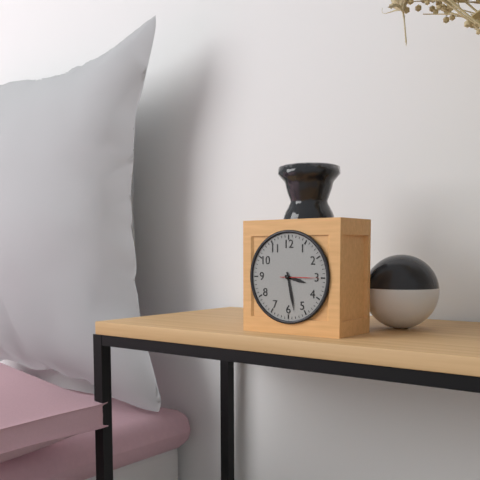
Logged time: 3.28
